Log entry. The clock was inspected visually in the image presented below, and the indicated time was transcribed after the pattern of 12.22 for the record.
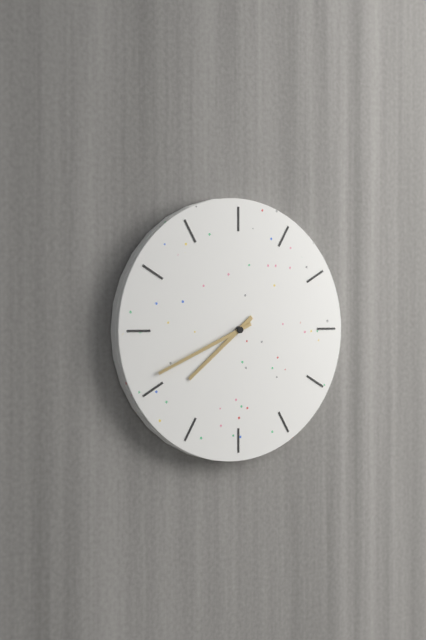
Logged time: 7.41
